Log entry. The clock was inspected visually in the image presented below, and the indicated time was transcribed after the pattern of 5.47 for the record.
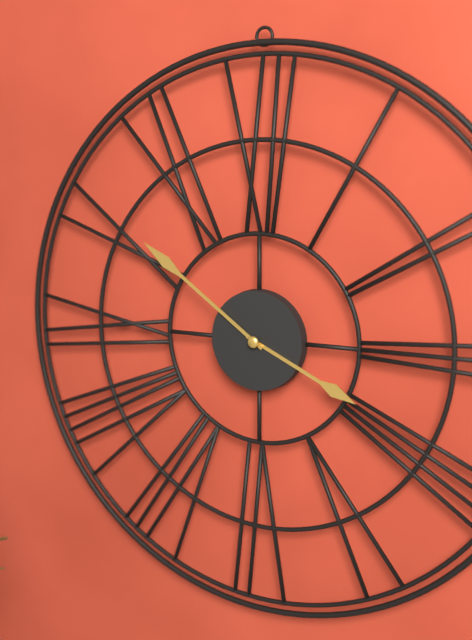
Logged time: 3.51
